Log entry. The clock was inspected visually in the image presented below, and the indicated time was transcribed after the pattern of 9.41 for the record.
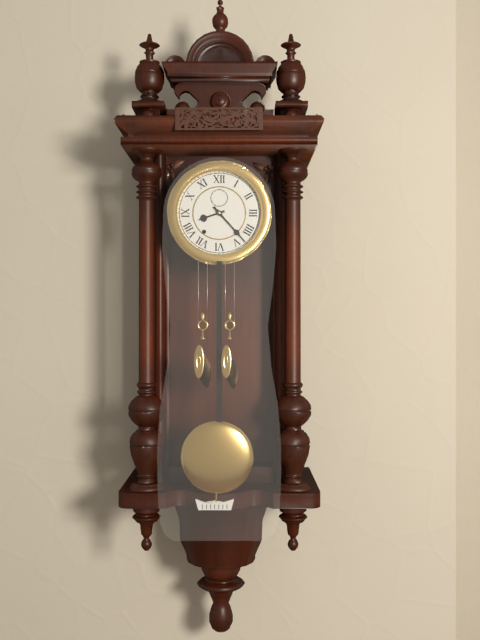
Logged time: 8.23
